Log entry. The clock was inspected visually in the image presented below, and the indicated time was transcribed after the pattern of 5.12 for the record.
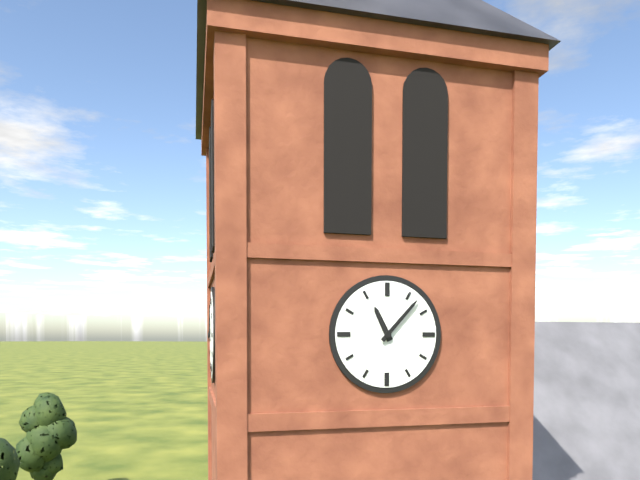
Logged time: 11.07
